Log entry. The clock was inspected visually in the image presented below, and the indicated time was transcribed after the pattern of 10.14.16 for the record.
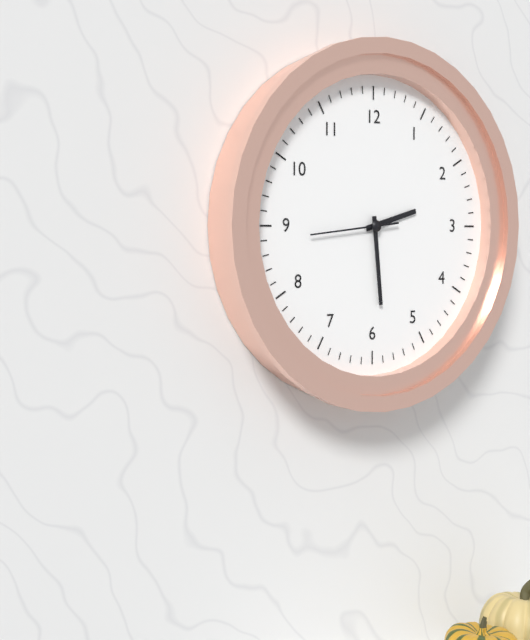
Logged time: 2.29.44
